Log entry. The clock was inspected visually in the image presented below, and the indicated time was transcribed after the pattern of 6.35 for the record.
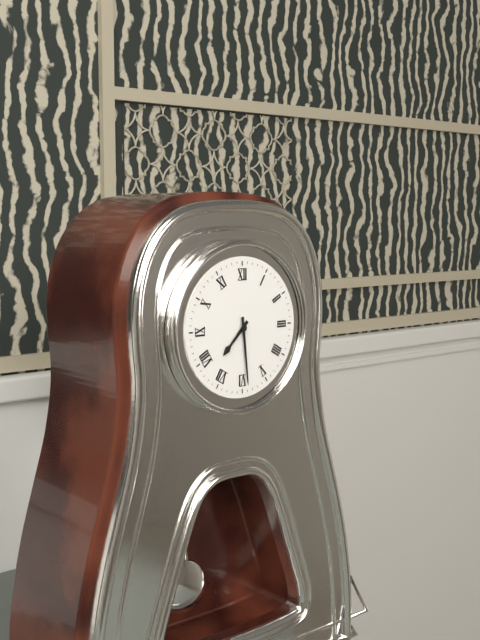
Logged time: 7.29
